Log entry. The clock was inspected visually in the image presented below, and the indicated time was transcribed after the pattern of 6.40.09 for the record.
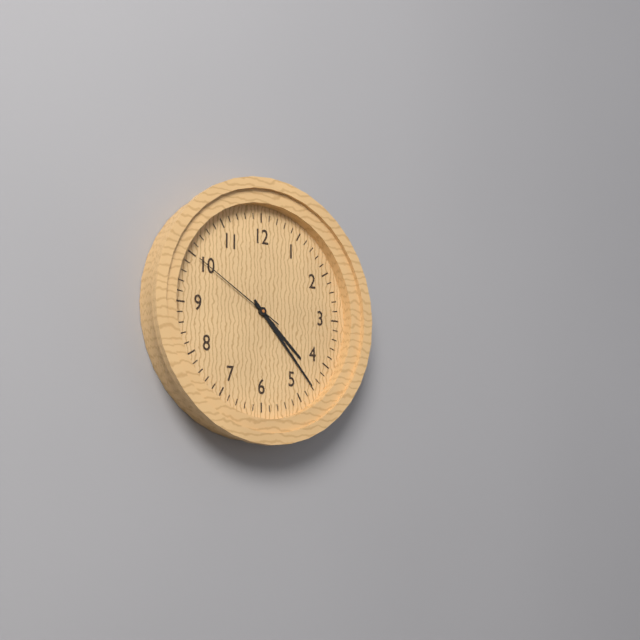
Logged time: 4.23.50
